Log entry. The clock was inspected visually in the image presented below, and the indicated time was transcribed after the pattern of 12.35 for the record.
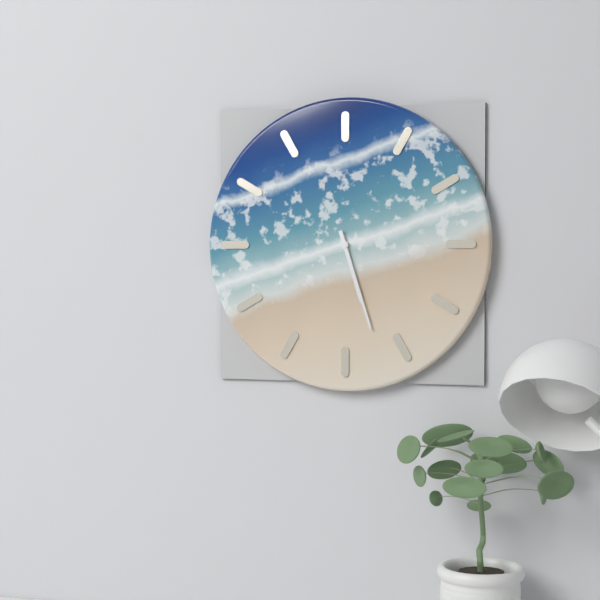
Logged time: 5.27
